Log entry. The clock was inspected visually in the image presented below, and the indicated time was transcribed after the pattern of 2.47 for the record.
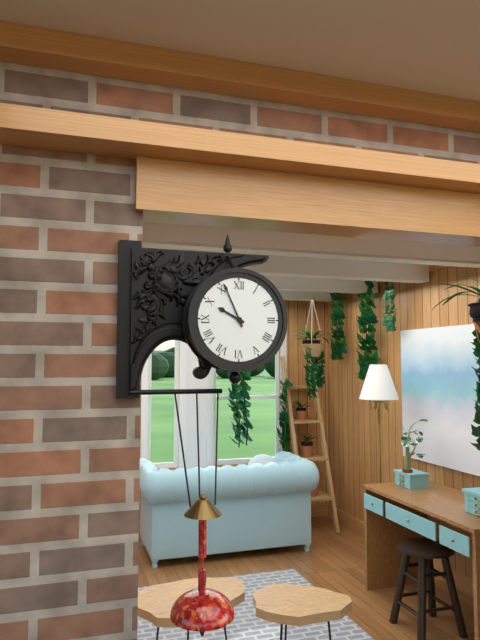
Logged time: 9.56
